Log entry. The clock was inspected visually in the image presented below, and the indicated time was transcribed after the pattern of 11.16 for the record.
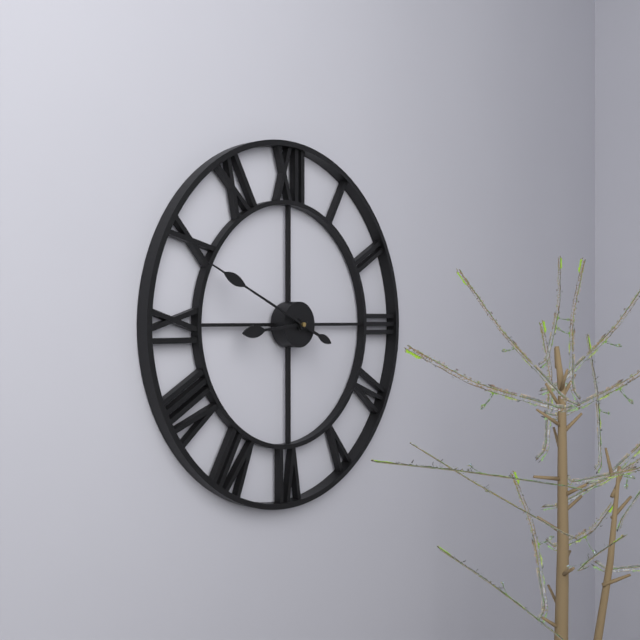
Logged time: 8.49
